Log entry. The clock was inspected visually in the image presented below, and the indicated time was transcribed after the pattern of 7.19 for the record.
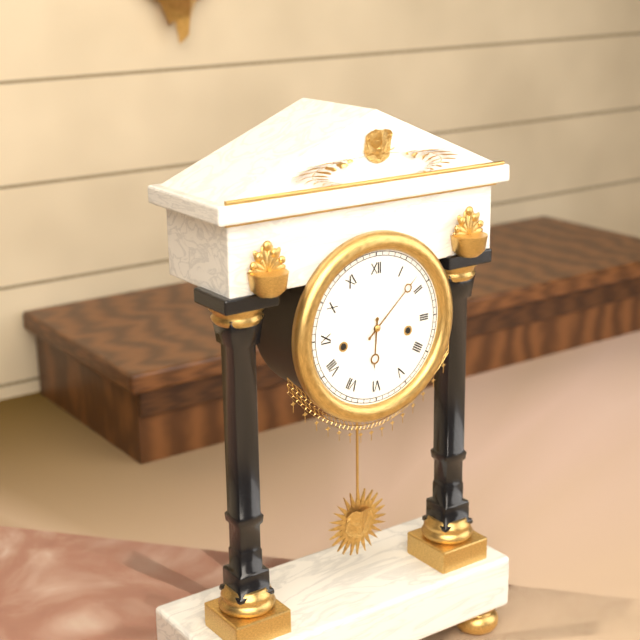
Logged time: 6.08
